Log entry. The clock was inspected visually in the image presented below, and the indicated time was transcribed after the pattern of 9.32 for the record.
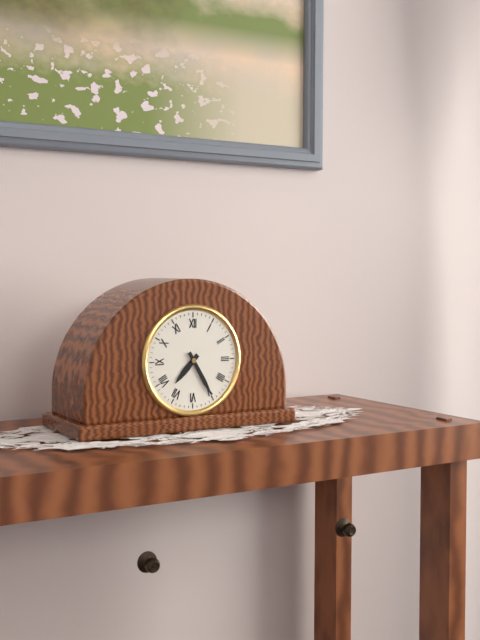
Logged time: 7.25
